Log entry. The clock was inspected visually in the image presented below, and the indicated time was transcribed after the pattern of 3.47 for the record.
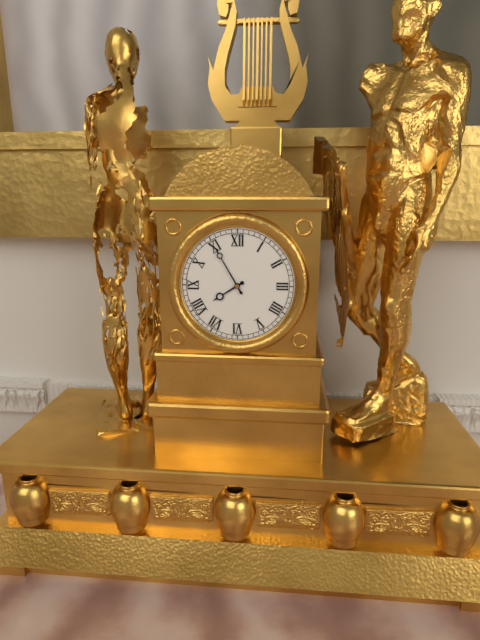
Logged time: 7.55
